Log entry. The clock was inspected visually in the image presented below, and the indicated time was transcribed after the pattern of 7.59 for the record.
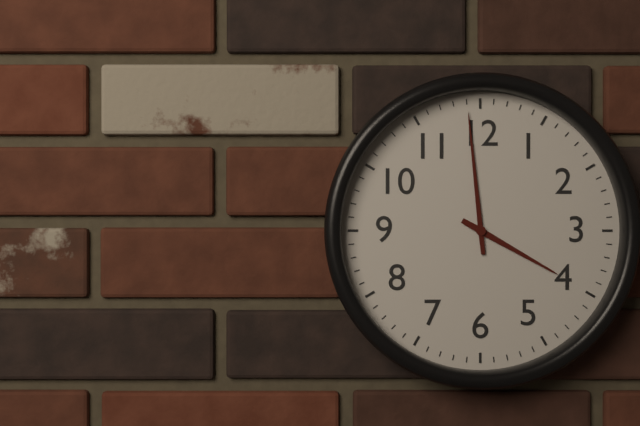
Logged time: 3.59
